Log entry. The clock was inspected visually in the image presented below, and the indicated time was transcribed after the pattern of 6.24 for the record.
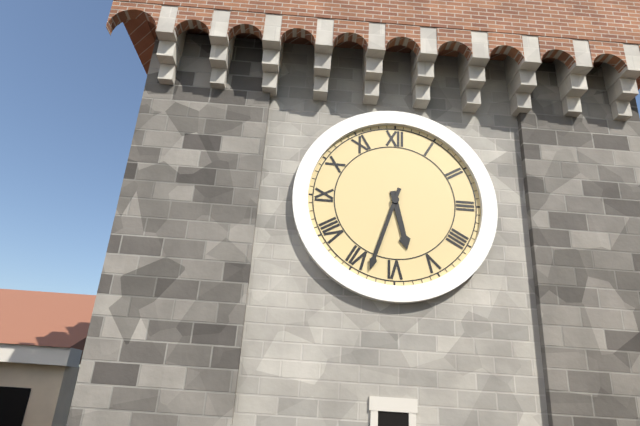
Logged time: 5.33
